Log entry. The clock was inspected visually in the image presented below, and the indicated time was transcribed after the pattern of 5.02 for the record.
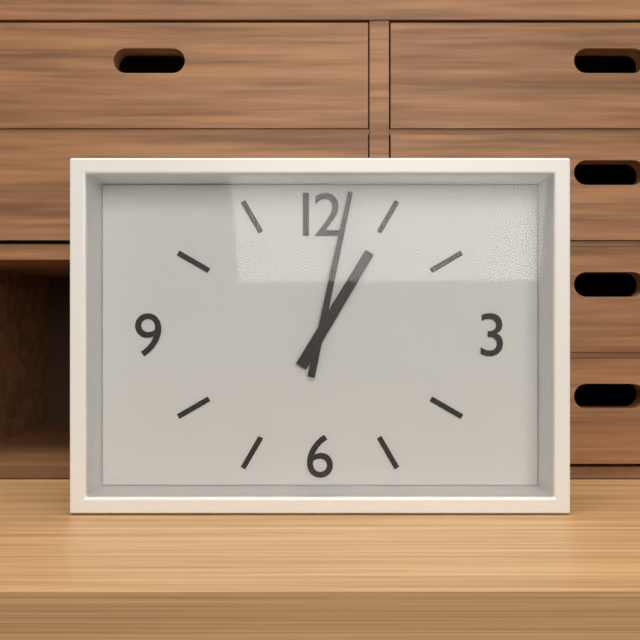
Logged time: 1.02
